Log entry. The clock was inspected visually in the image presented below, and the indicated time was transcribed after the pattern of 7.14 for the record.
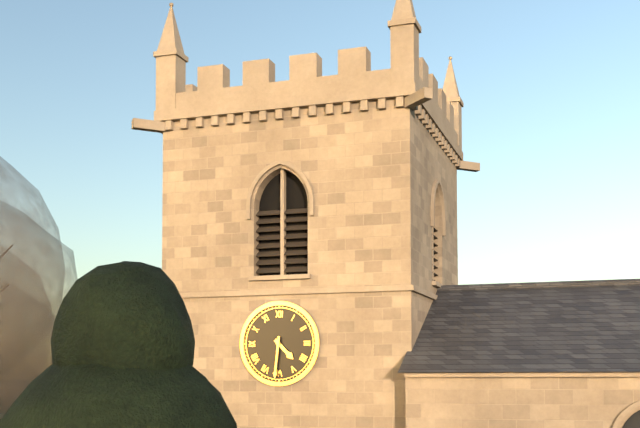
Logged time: 4.31
